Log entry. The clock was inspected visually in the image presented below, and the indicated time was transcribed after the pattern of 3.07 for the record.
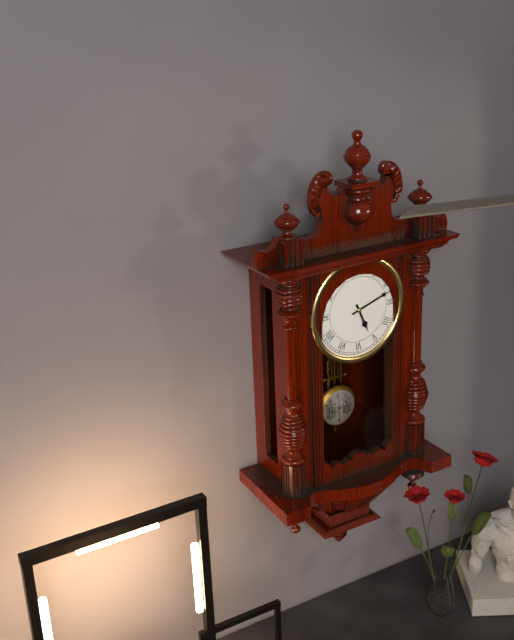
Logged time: 5.12
